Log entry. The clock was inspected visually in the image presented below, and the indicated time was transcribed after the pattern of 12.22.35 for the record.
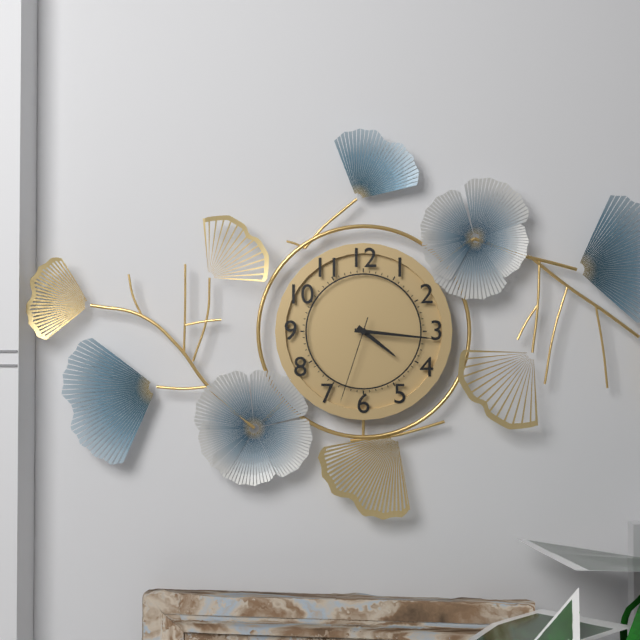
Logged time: 4.16.33
